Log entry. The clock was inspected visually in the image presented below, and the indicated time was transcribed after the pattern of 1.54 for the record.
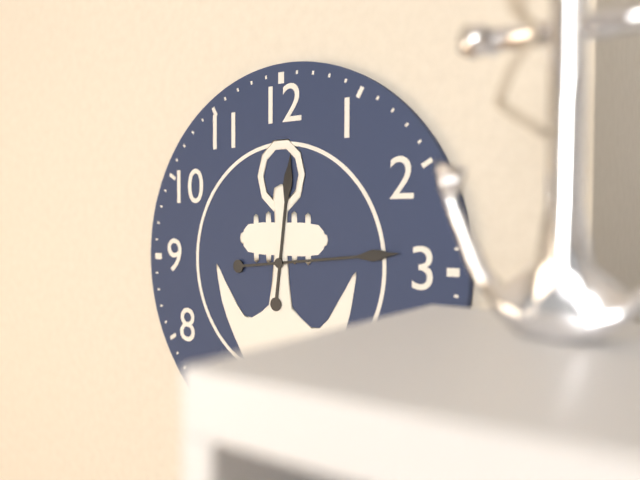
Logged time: 12.14
